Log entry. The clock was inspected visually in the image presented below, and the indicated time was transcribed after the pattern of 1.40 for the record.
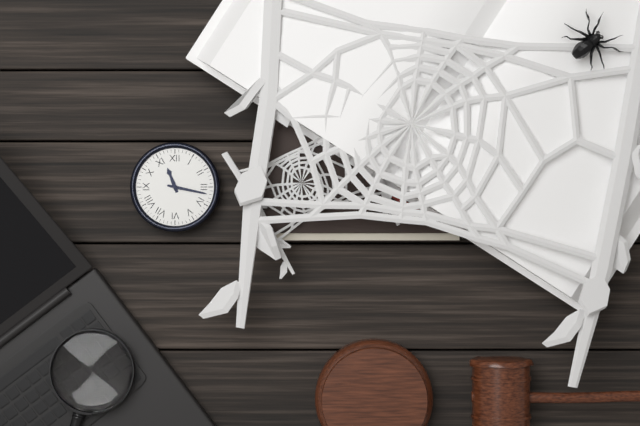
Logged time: 11.17
